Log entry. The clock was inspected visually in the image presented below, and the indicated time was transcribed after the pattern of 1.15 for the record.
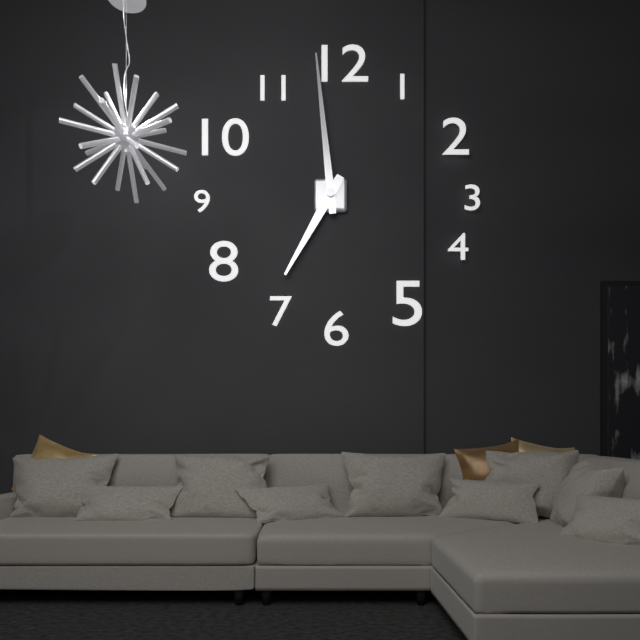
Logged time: 6.59
